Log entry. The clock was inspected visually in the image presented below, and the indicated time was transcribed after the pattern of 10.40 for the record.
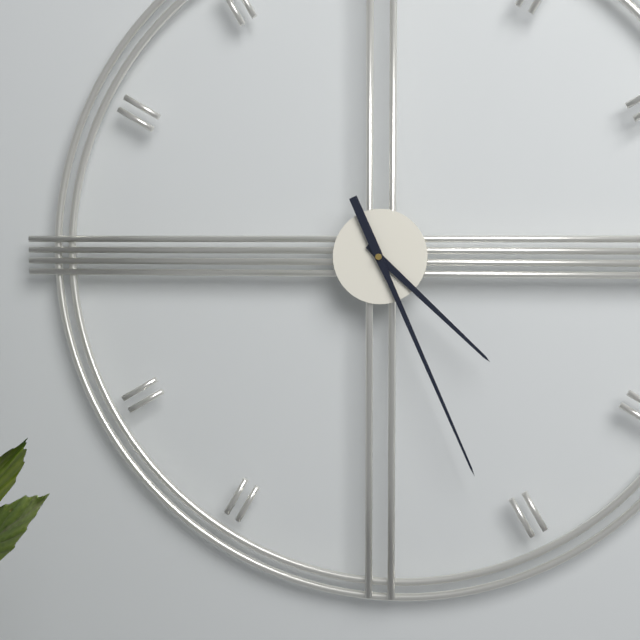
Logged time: 4.26
